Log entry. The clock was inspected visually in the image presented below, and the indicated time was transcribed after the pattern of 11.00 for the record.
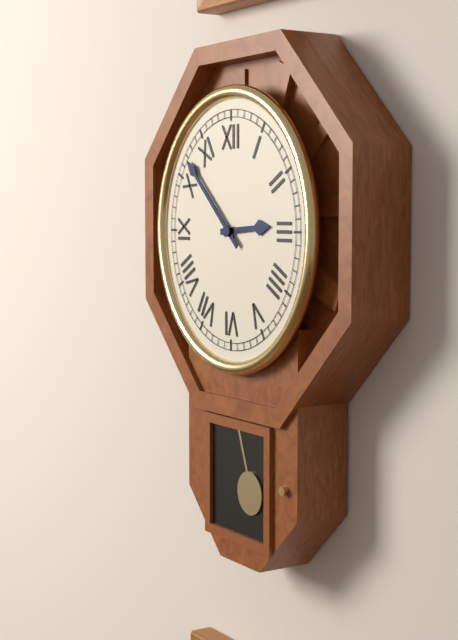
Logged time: 2.52
